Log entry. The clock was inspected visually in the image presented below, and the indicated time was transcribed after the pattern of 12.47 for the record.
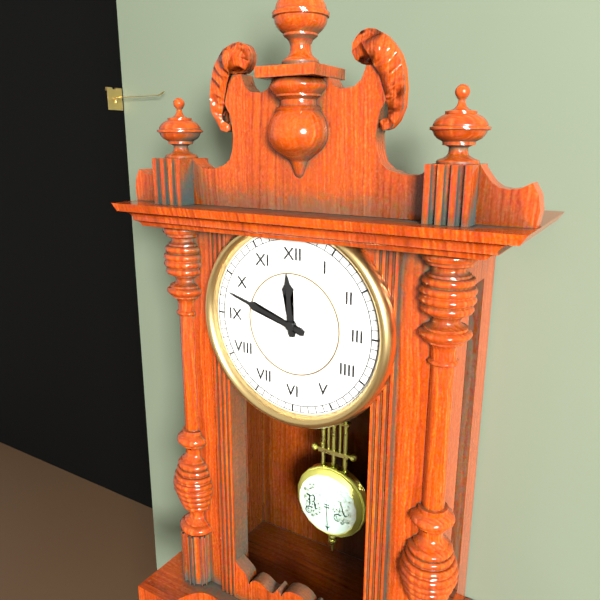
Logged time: 11.48
